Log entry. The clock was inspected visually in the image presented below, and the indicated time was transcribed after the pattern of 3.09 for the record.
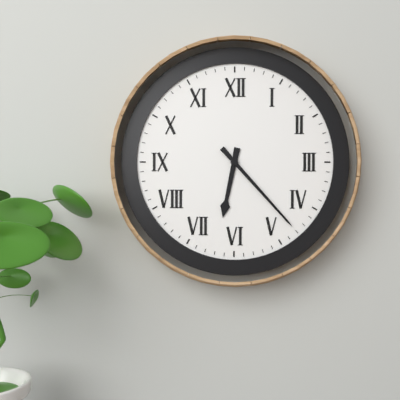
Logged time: 6.23
